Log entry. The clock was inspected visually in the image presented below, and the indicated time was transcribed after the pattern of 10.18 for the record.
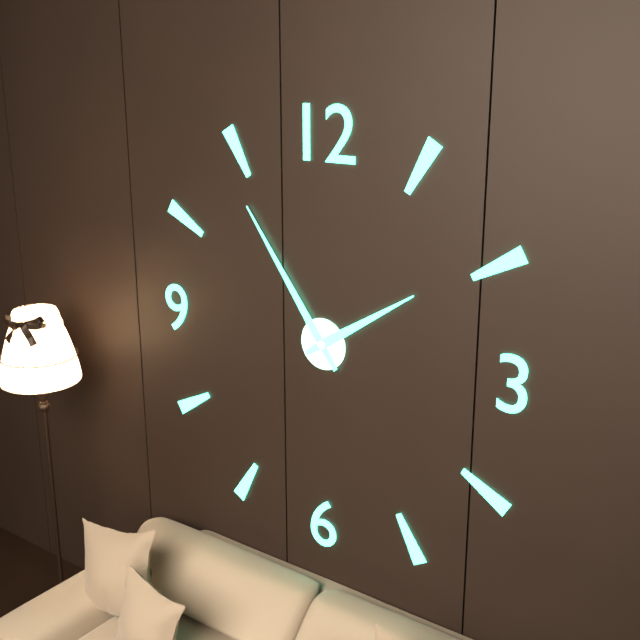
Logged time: 1.54
